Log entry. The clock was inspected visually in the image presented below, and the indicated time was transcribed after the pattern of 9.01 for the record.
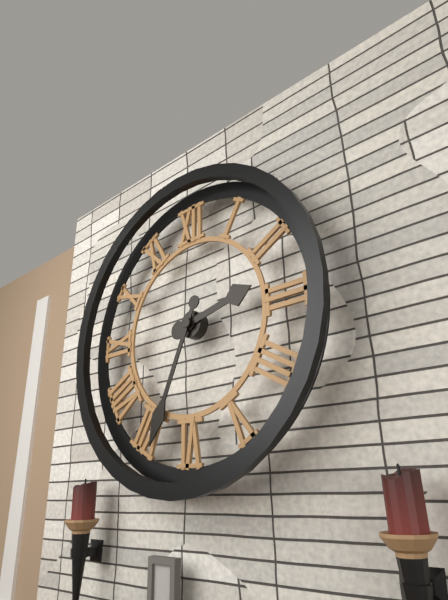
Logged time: 2.34
